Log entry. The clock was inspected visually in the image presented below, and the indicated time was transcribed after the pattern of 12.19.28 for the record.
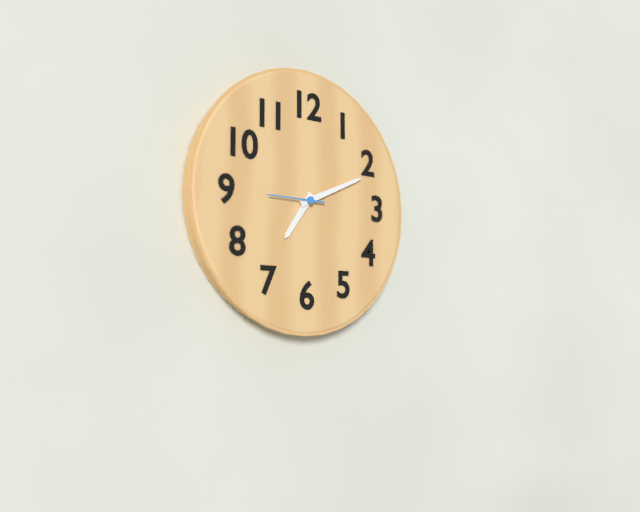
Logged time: 7.11.45
